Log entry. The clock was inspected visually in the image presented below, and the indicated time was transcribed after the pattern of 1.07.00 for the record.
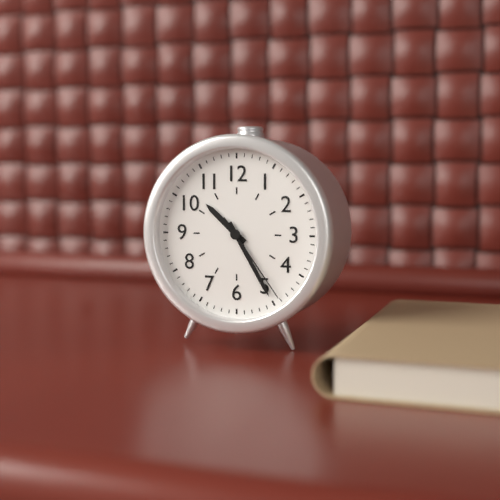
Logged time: 10.25.24
